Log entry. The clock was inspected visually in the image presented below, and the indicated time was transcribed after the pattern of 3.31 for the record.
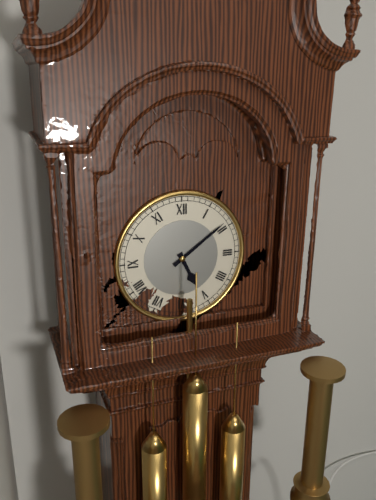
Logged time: 5.09
